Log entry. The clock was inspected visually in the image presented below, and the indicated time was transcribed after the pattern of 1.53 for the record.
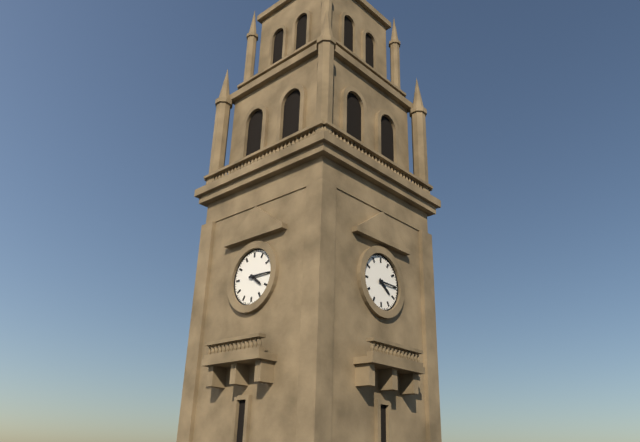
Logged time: 4.15
